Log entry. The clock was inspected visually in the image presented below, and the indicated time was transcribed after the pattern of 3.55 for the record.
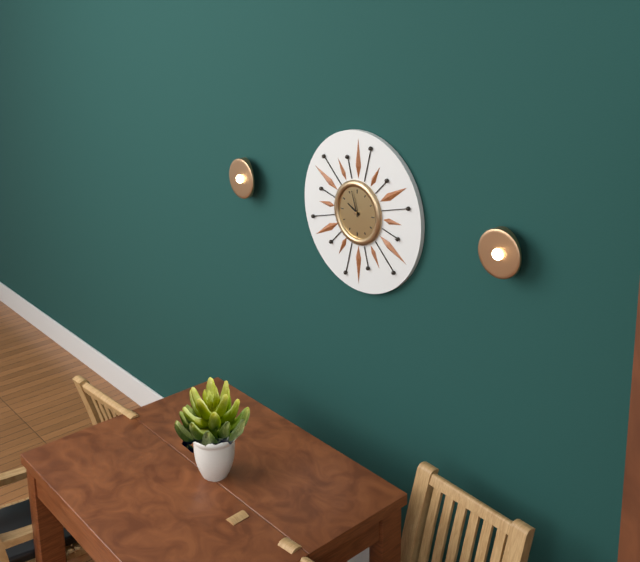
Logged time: 9.57
